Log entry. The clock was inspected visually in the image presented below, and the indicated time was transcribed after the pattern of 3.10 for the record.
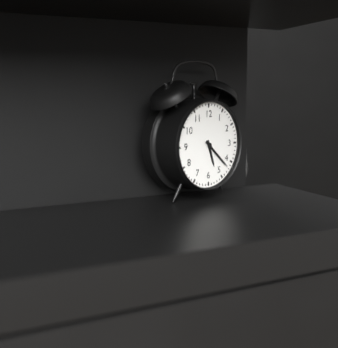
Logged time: 5.22
